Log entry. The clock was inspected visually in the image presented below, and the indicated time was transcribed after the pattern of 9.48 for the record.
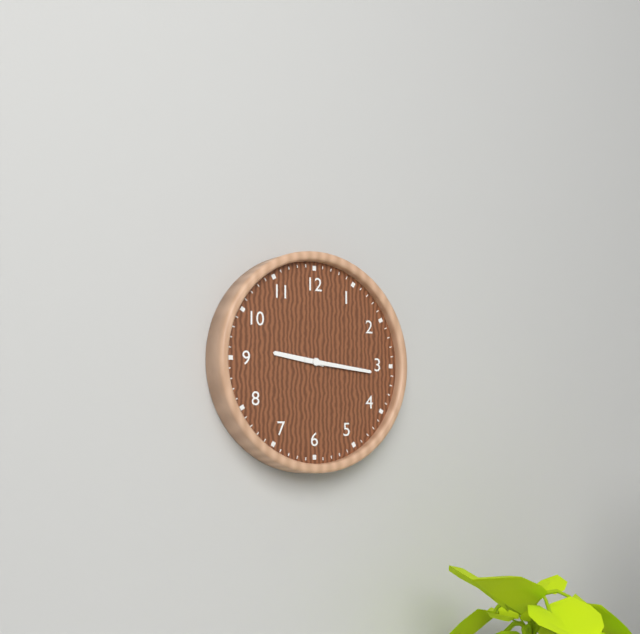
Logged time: 9.16
